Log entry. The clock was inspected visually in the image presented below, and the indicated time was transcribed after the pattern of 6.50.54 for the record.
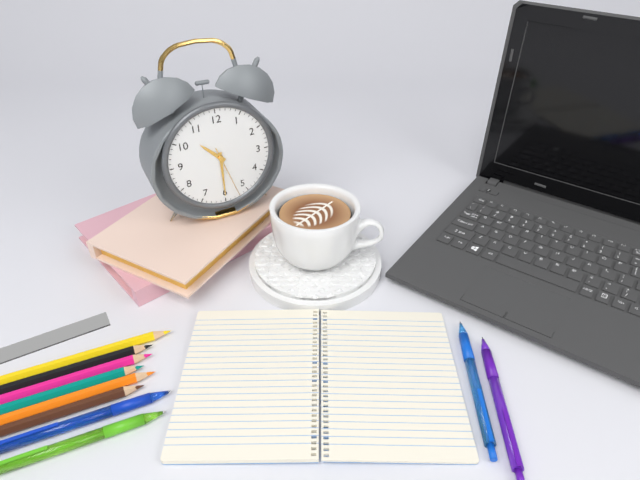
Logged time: 10.30.27
